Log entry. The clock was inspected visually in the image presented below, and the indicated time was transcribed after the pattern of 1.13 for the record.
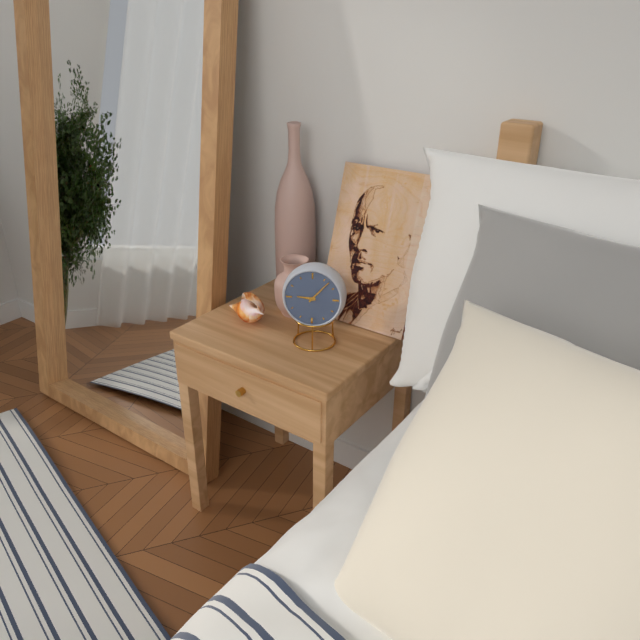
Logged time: 9.07
